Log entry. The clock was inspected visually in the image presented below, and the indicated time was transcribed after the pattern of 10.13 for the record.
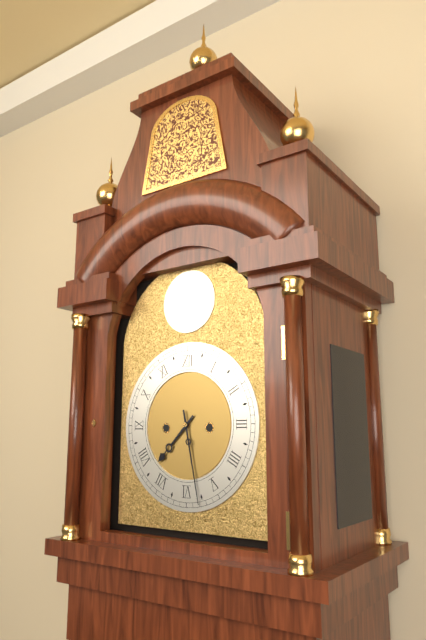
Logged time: 7.28
